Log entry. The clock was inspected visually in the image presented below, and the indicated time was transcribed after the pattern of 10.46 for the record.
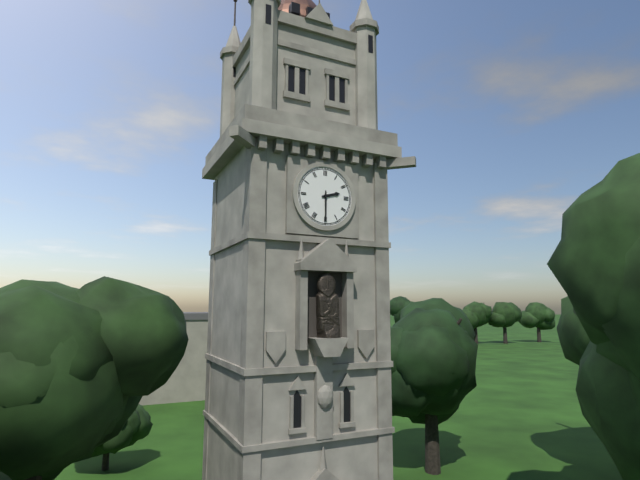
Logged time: 2.30
